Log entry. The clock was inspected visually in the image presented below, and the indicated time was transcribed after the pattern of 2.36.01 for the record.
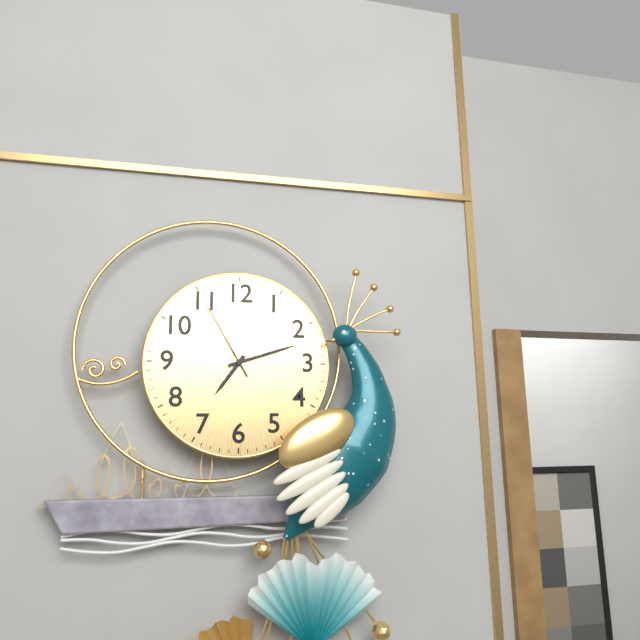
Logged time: 7.12.55
